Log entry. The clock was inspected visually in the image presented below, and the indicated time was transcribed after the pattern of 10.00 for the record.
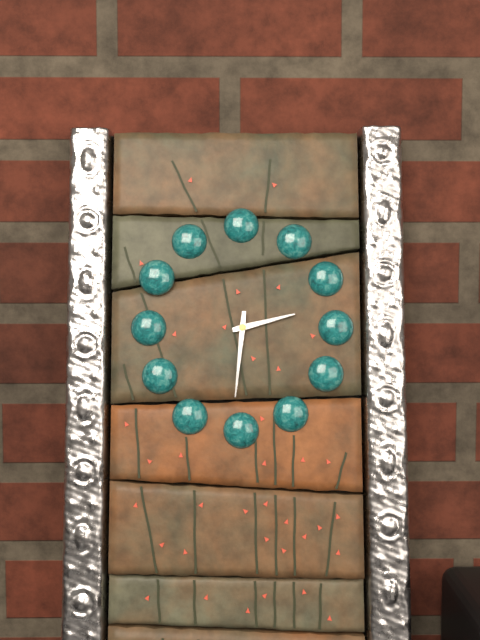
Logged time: 2.31
